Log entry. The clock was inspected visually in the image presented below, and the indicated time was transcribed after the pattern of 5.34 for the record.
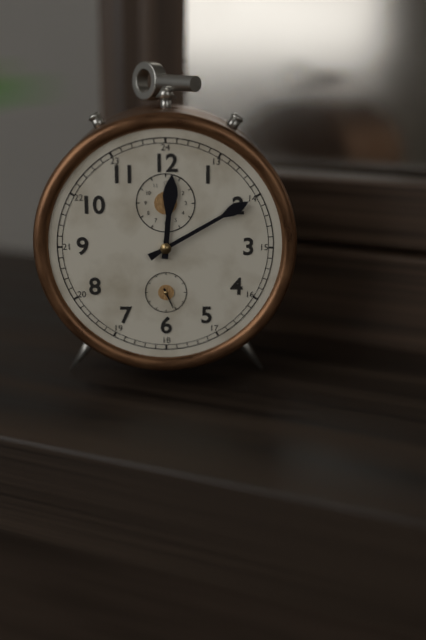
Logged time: 12.10
